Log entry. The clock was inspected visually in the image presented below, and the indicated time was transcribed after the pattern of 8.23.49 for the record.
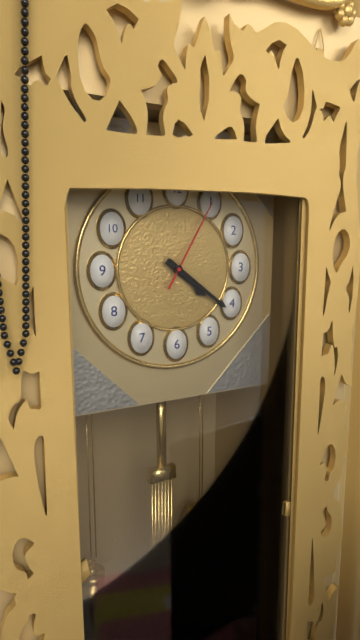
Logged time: 4.21.05
